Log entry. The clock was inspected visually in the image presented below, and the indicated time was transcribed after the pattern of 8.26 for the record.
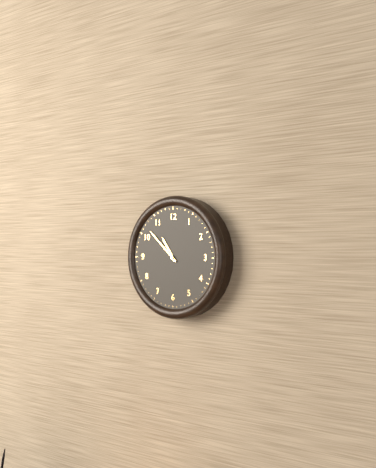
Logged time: 10.52
